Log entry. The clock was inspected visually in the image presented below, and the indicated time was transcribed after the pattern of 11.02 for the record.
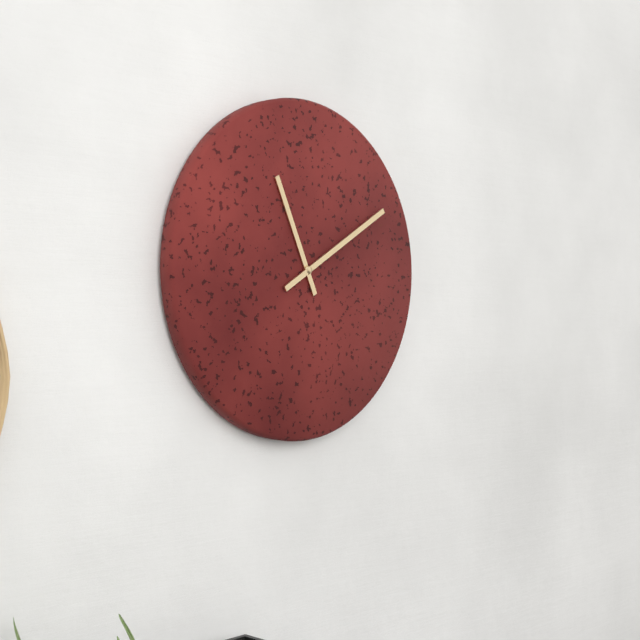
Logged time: 11.10
